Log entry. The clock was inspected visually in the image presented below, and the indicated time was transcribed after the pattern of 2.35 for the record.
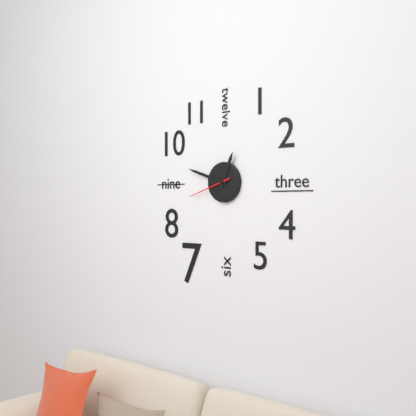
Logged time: 12.48
